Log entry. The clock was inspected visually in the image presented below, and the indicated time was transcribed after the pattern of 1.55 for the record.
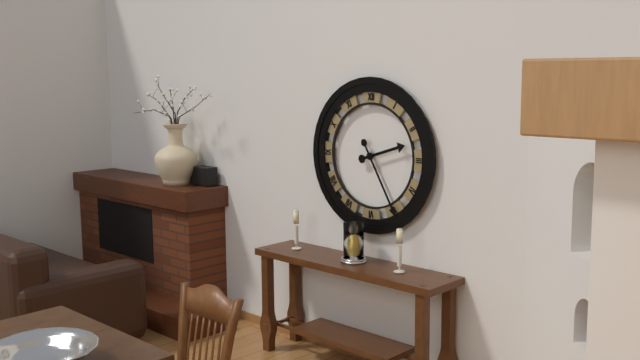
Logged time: 2.25
